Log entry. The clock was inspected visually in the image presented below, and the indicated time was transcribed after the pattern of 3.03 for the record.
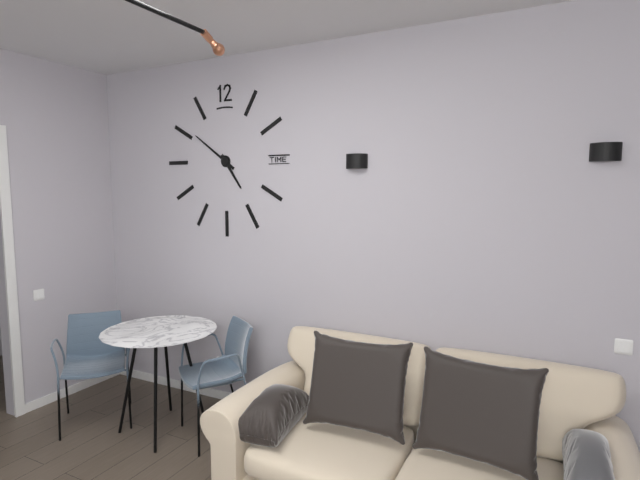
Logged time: 4.51
